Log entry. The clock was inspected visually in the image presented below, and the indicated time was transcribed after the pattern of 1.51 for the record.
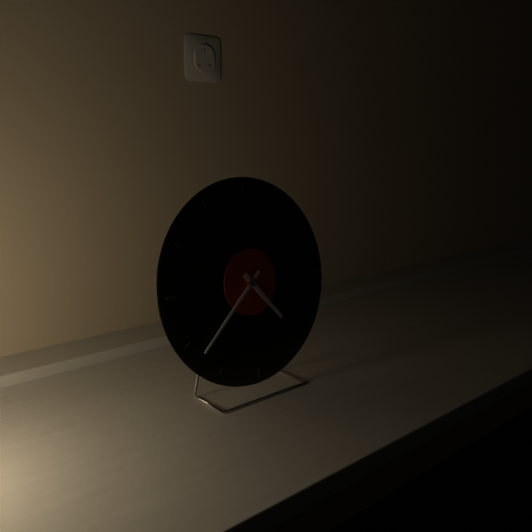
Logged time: 4.38
